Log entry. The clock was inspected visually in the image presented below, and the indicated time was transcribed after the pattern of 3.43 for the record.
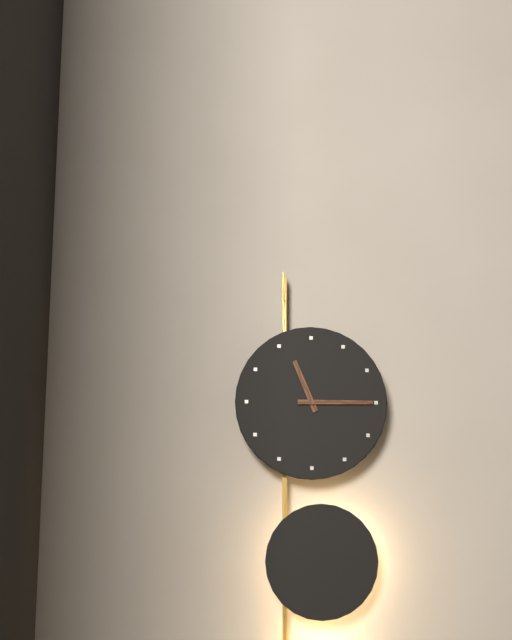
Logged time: 11.15
